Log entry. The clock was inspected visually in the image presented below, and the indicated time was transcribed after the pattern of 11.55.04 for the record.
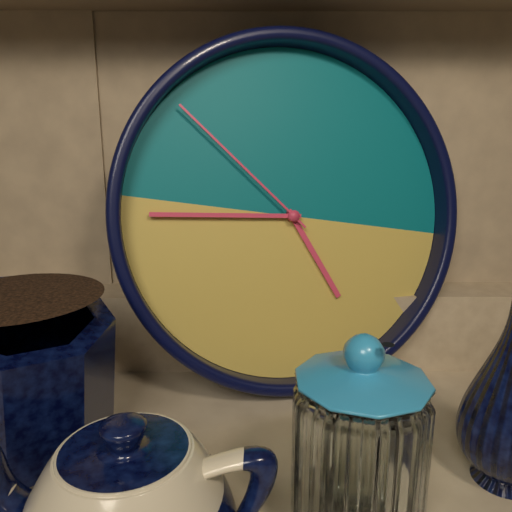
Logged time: 4.44.51
